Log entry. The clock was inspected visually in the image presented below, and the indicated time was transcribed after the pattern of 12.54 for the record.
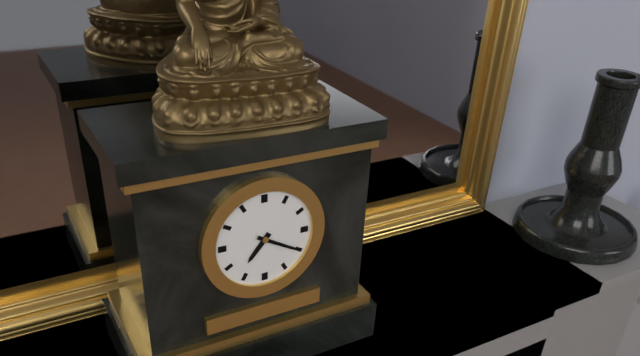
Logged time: 7.20
